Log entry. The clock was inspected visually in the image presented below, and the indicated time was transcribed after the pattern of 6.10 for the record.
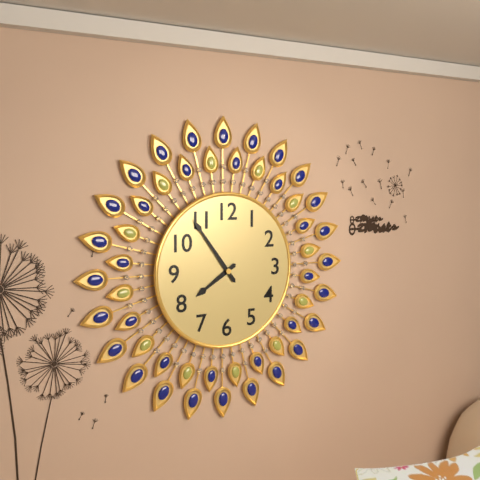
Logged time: 7.54
